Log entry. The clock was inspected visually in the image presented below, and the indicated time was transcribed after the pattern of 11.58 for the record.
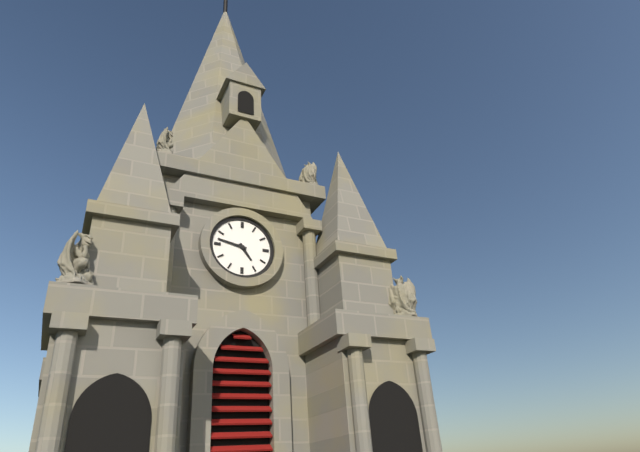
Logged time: 4.47
